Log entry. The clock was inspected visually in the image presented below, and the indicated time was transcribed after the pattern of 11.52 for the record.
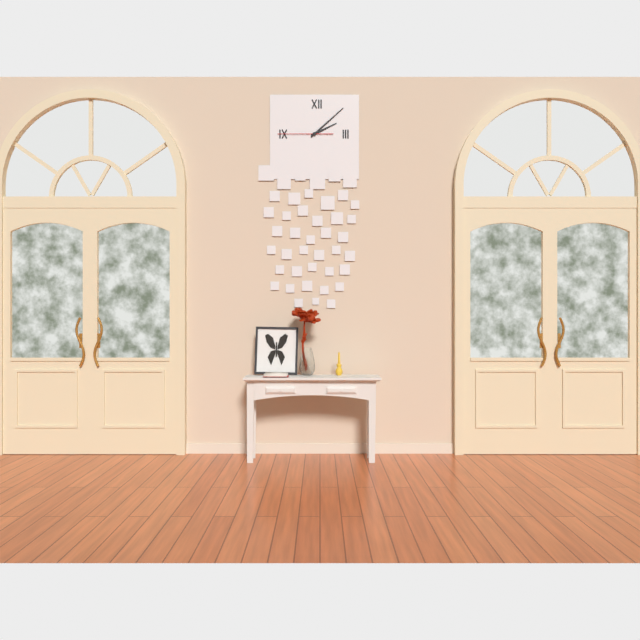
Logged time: 2.08
